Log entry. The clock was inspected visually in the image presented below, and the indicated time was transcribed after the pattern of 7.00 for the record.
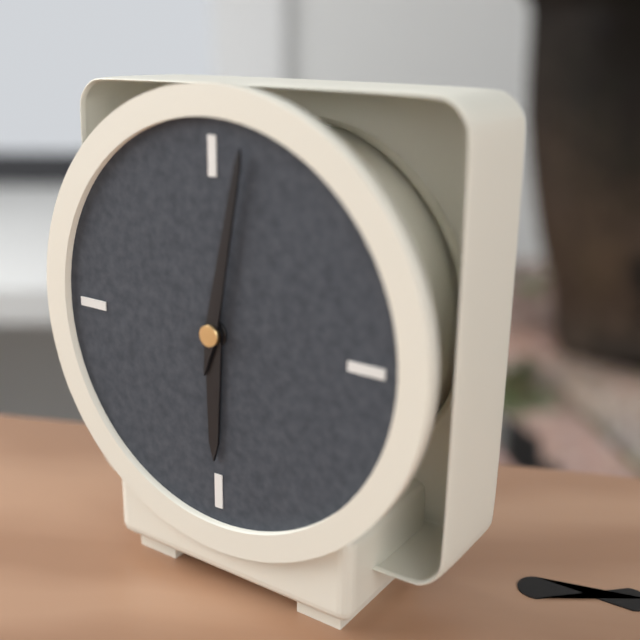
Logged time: 6.02
